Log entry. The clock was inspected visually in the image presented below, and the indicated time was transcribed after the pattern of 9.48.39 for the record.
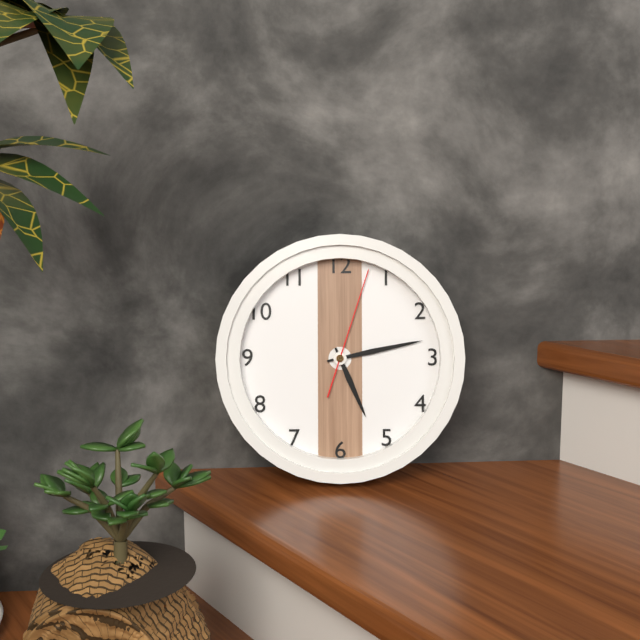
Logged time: 5.13.03
